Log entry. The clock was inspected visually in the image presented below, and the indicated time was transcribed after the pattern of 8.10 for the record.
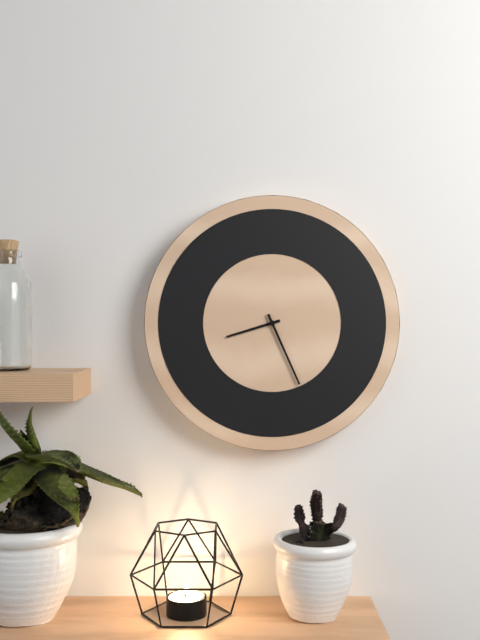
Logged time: 8.26
